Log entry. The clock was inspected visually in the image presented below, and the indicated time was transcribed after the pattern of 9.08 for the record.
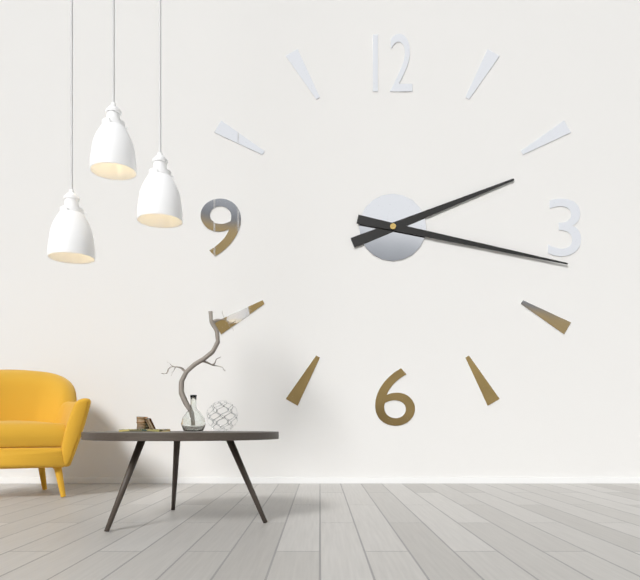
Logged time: 2.17
